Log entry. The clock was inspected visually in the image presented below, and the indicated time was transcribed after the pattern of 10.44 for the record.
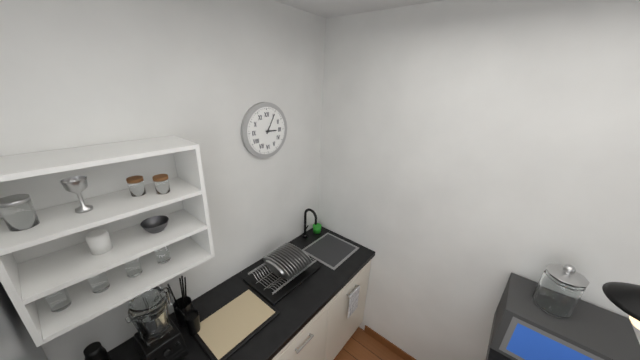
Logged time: 3.05
